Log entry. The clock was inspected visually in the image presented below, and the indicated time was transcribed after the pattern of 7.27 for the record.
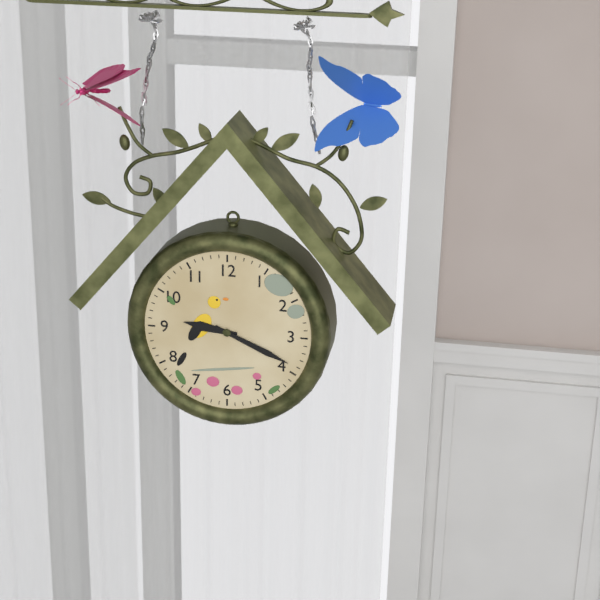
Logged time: 9.19
